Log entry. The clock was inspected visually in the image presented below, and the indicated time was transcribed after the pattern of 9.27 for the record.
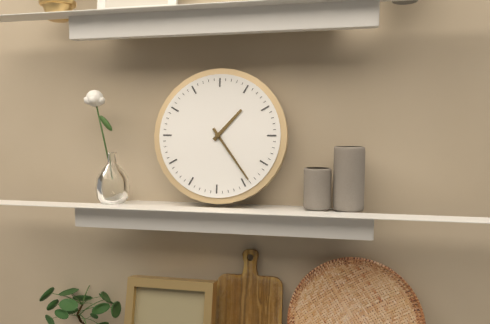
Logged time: 1.24
